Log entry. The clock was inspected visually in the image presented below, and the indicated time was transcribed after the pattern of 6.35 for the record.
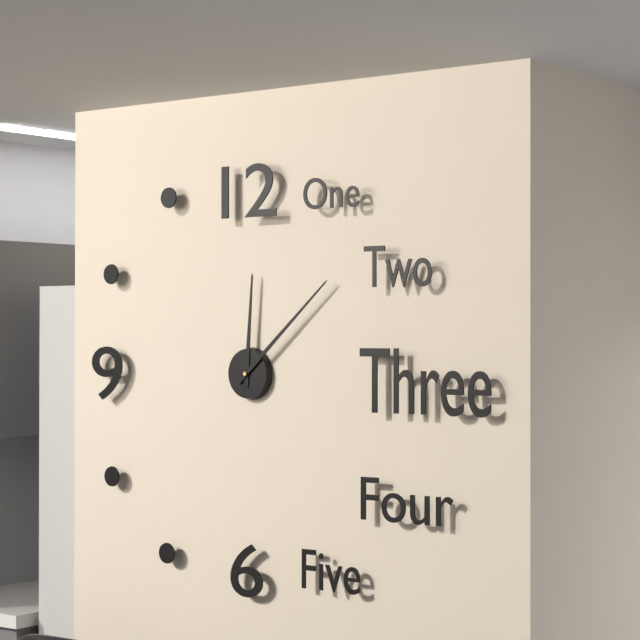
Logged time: 12.08
